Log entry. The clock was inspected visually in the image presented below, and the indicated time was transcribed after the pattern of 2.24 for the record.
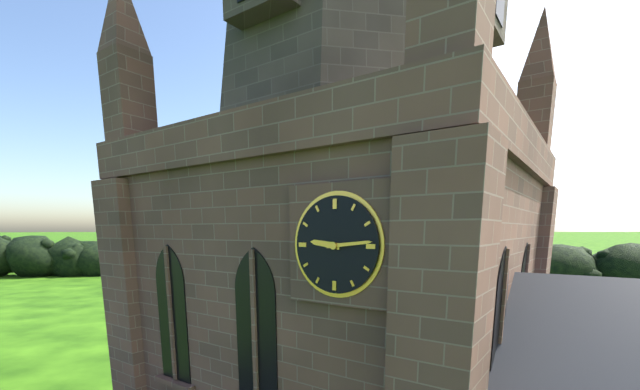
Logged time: 9.14
